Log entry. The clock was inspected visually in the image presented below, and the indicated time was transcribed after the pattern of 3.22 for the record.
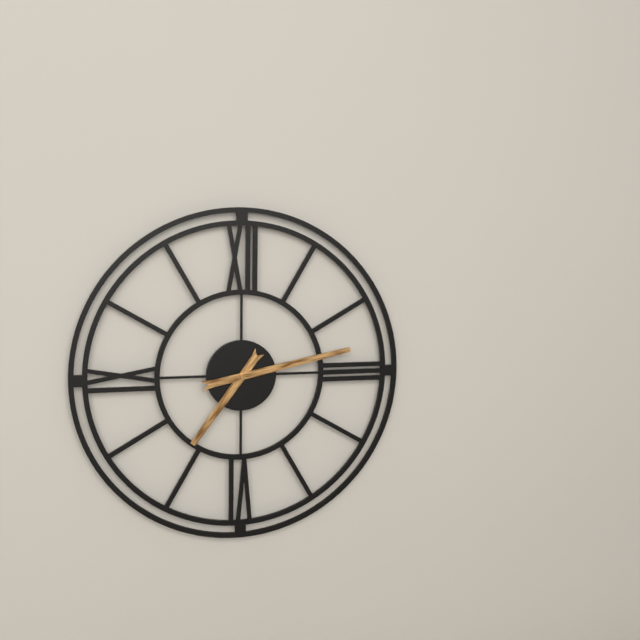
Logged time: 7.13
